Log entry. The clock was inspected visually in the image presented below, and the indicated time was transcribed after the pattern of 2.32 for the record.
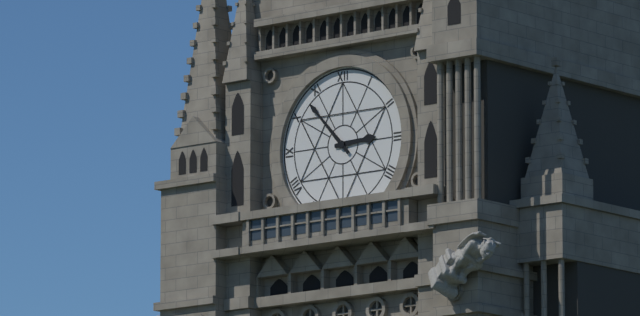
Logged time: 2.53
